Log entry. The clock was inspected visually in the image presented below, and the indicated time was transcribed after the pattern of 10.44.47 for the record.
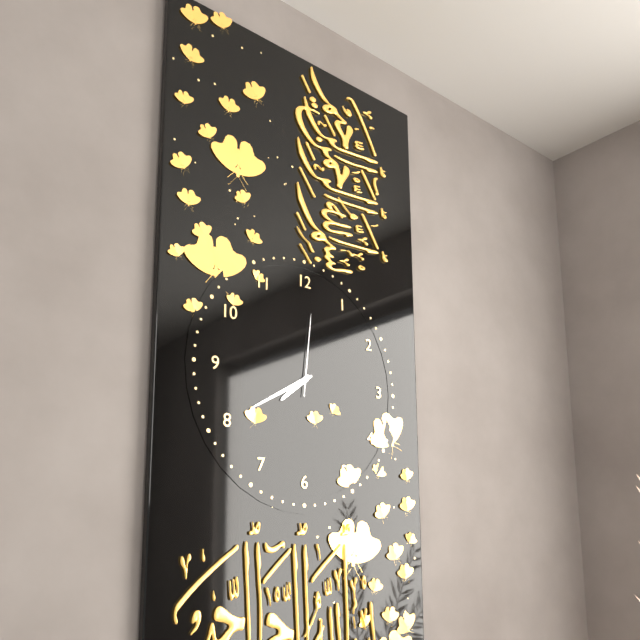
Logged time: 7.40.01
